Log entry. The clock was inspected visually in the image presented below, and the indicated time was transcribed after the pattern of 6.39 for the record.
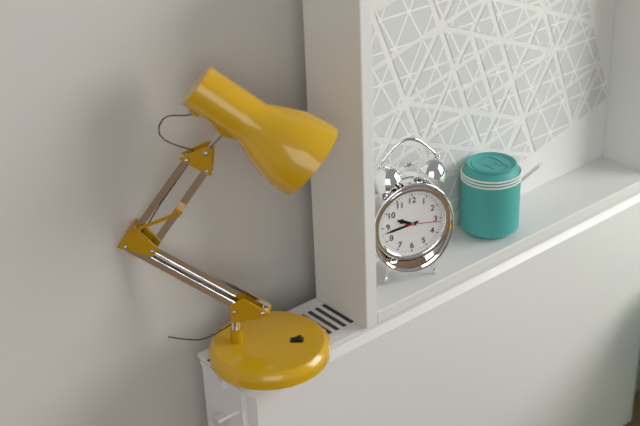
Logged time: 9.43
